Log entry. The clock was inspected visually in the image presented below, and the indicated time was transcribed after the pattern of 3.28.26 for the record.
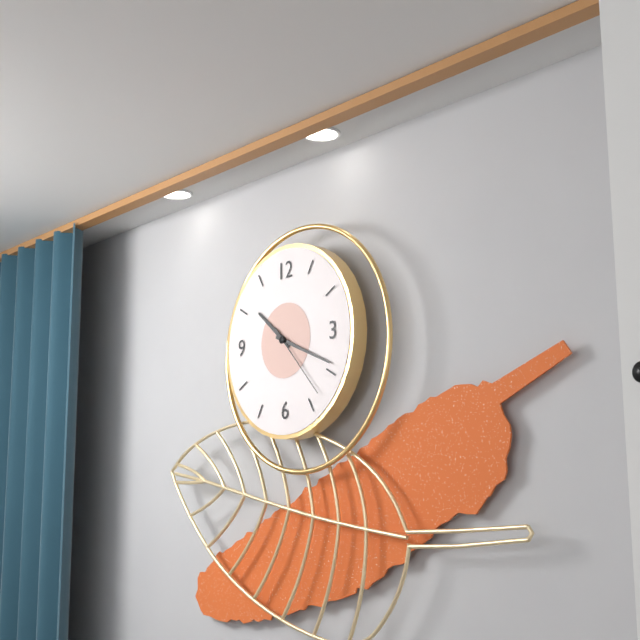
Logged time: 10.19.23
